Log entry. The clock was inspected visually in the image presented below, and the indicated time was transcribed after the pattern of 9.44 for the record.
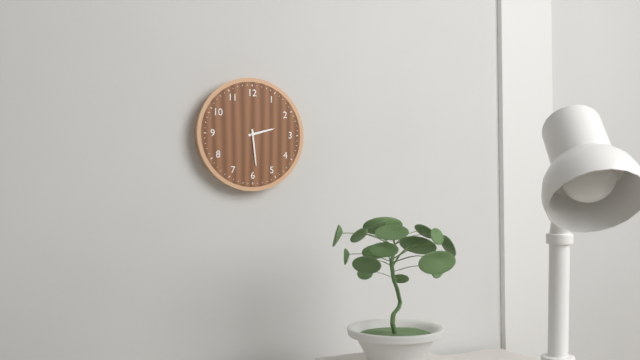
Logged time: 2.29
